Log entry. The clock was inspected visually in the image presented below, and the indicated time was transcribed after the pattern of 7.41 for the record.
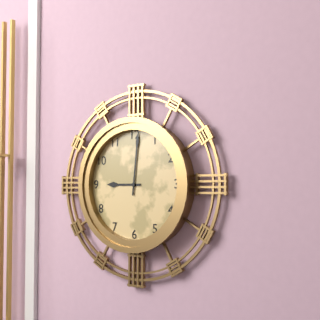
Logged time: 9.01
